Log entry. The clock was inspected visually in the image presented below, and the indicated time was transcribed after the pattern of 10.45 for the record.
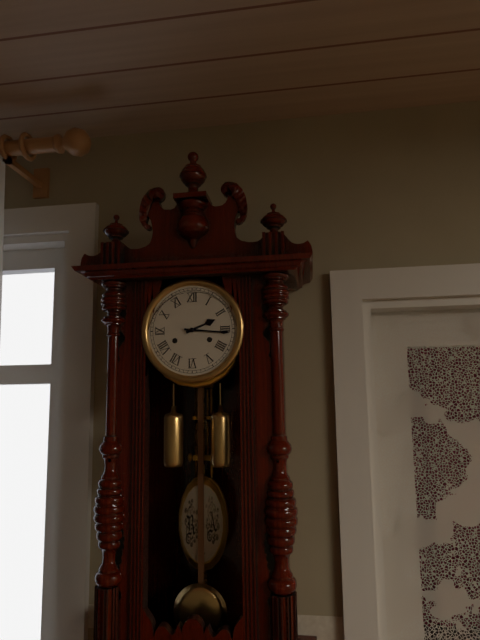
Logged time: 2.16
